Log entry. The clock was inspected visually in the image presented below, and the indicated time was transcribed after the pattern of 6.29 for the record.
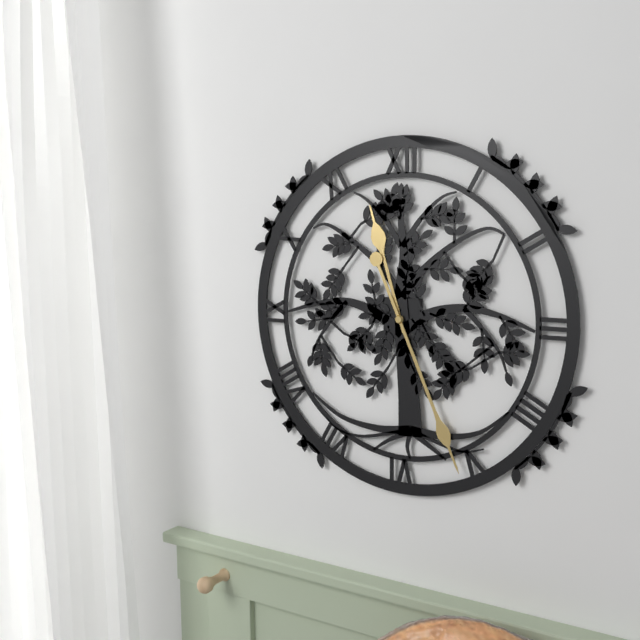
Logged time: 11.26
